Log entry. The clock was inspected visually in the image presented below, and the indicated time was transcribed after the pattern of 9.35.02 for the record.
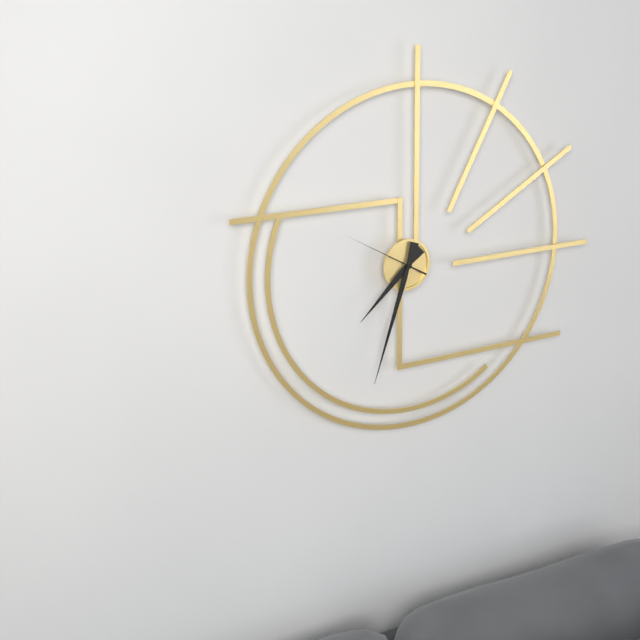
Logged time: 7.33.50
